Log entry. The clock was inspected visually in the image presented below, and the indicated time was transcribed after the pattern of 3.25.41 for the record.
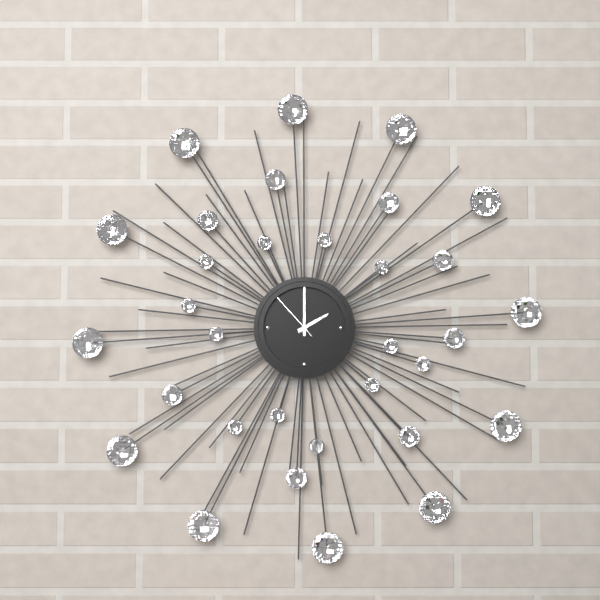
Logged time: 2.00.53
